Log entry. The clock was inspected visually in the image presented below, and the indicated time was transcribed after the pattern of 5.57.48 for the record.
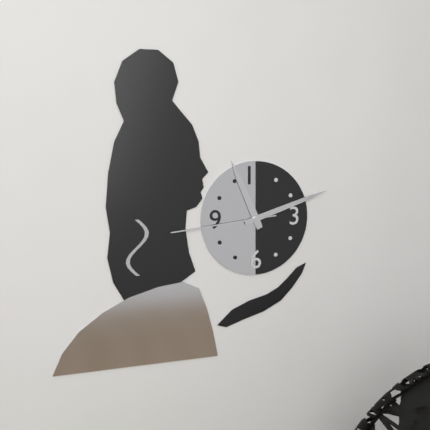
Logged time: 11.12.44
